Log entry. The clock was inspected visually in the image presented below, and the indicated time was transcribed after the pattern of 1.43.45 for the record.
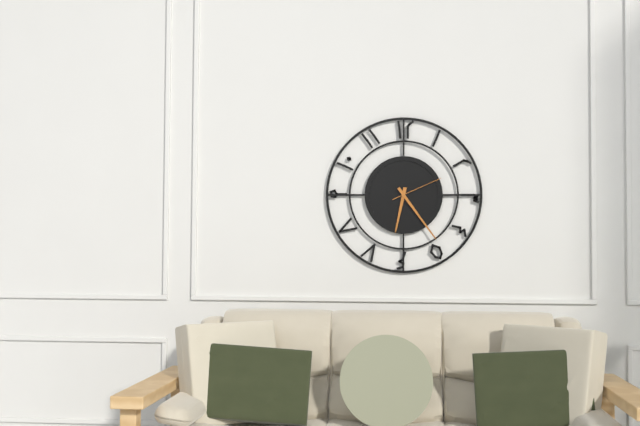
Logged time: 6.24.11
